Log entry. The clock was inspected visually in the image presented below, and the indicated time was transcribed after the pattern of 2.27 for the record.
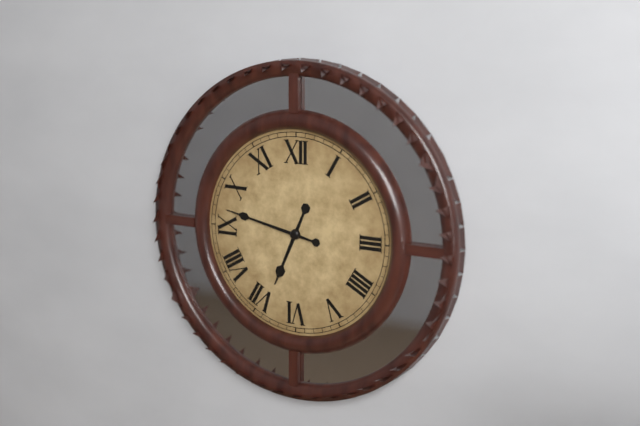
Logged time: 6.47
